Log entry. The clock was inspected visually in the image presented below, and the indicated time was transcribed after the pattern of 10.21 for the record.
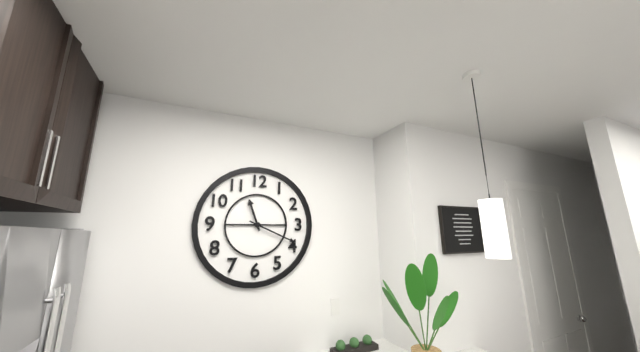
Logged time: 11.19
